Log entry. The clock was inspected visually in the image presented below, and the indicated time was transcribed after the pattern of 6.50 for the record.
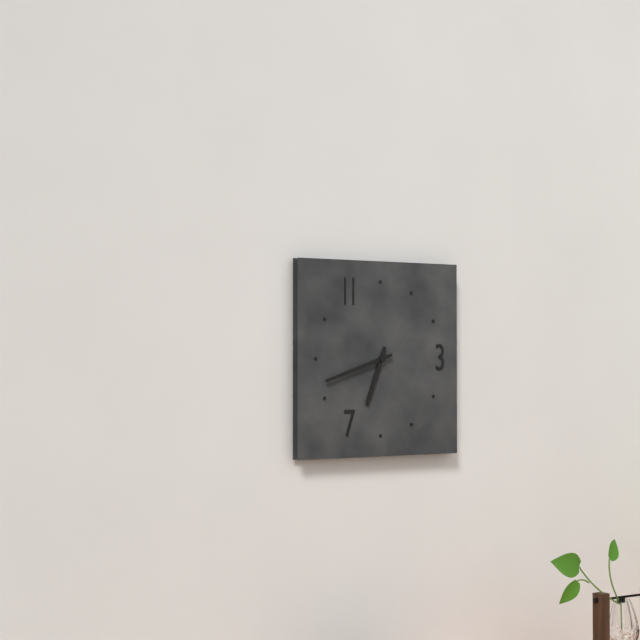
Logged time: 6.42
